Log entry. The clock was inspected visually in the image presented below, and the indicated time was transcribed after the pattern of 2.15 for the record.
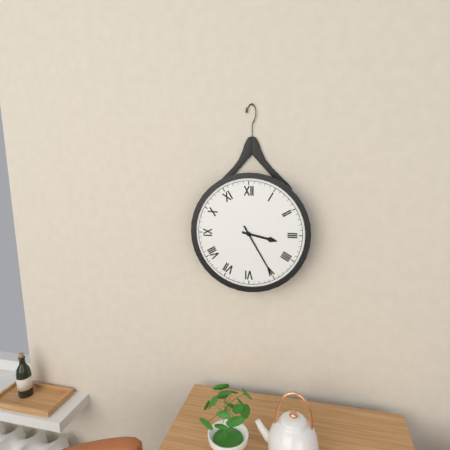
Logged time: 3.25
